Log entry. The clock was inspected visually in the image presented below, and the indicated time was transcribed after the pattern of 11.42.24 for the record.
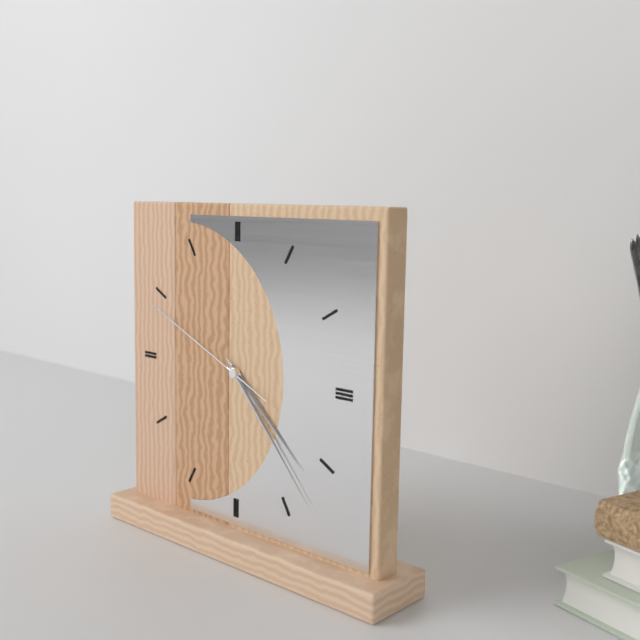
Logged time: 4.23.49
